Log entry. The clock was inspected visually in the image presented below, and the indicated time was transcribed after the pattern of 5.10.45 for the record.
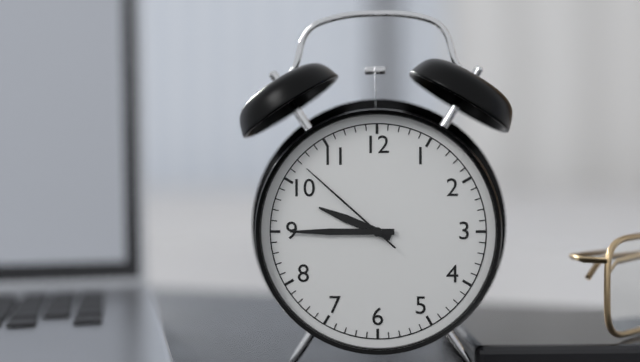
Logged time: 9.45.52
